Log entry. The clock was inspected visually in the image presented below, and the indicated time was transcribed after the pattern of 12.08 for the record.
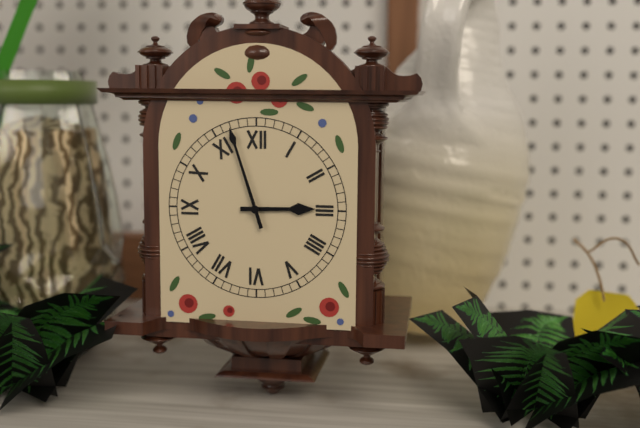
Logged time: 2.57
